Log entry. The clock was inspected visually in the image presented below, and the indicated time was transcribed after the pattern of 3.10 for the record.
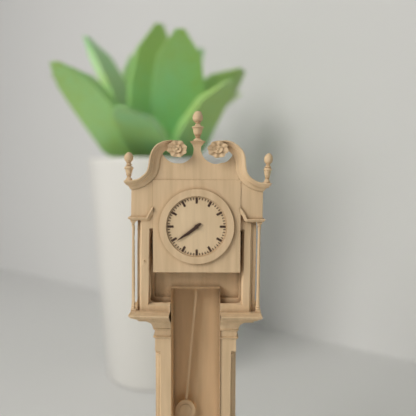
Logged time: 7.39
